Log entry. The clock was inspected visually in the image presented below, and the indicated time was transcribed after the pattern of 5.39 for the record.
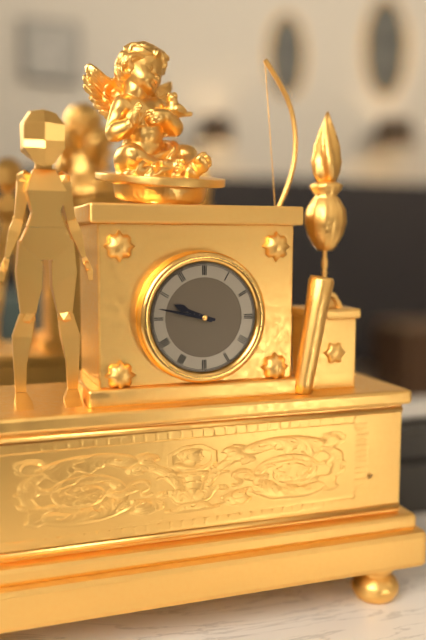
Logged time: 9.47
